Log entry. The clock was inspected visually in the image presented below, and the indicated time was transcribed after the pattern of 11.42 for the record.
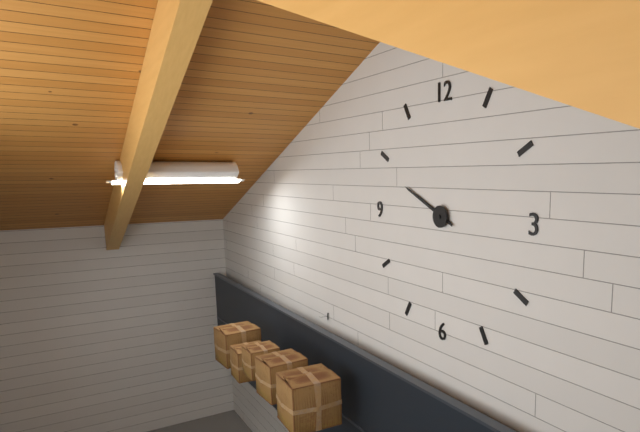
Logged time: 9.49
